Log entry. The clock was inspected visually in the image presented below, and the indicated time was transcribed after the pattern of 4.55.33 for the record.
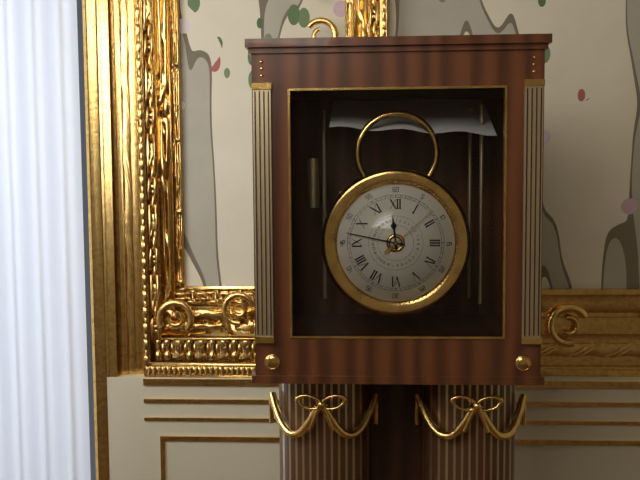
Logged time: 11.47.08
